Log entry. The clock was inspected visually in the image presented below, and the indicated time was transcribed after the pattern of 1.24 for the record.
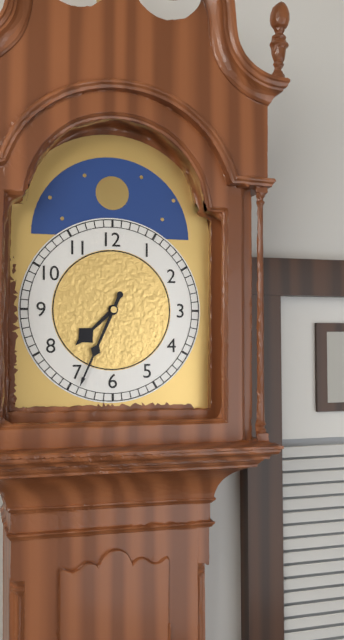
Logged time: 7.34
